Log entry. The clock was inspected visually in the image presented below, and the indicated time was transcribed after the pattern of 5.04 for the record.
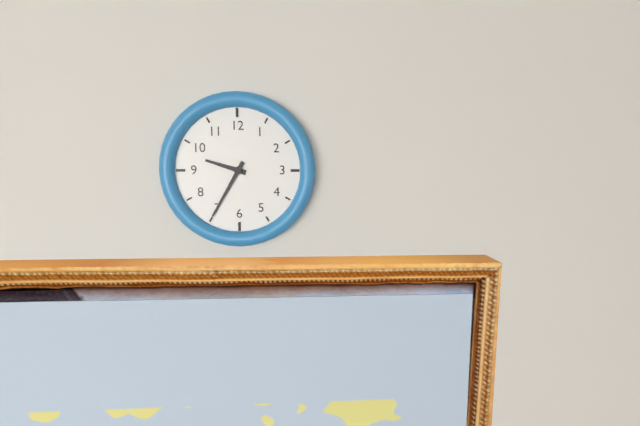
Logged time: 9.35
